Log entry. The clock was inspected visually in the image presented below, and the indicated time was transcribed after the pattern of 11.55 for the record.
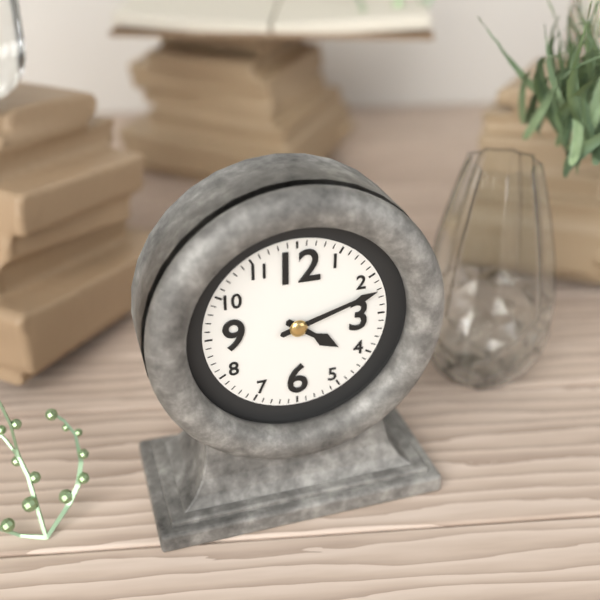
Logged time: 4.12
